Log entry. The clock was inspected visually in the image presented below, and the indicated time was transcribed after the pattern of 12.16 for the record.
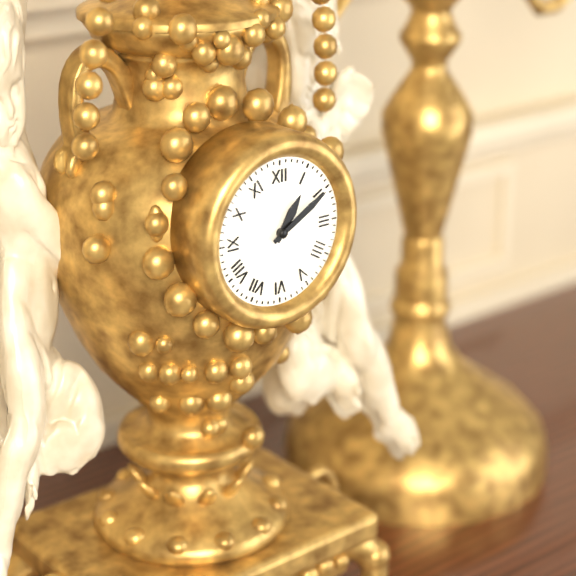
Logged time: 1.10
